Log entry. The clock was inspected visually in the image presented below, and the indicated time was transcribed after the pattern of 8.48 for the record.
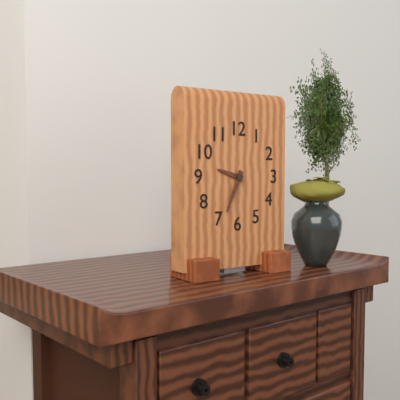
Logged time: 9.34
